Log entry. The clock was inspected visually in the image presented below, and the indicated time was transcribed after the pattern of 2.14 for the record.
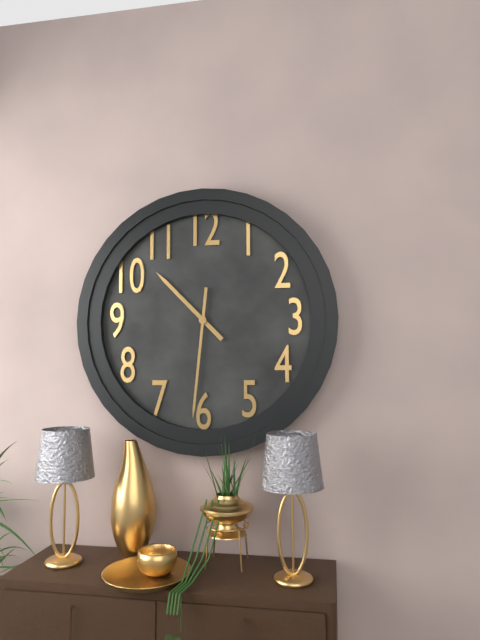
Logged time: 10.31
